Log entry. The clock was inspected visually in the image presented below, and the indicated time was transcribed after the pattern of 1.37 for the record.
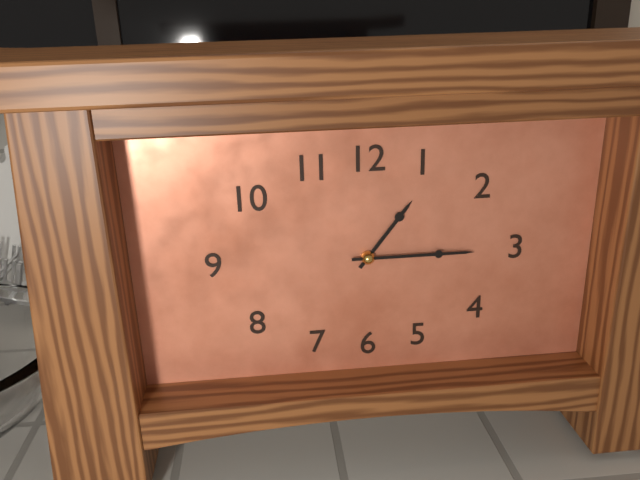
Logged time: 1.15
